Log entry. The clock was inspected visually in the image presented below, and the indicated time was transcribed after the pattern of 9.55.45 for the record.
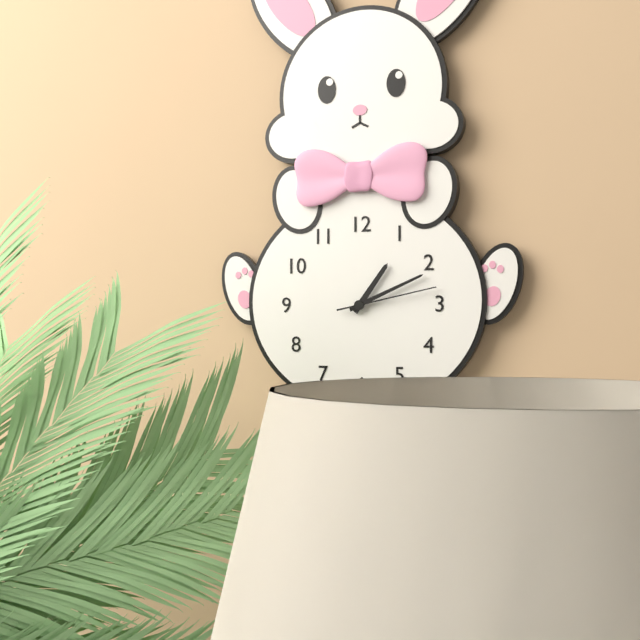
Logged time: 1.11.13
